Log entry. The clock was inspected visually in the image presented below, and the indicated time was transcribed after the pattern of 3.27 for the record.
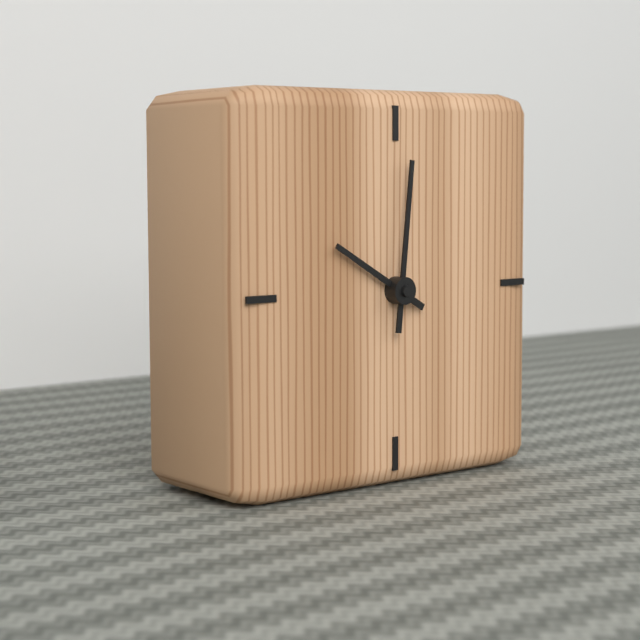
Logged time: 10.01
